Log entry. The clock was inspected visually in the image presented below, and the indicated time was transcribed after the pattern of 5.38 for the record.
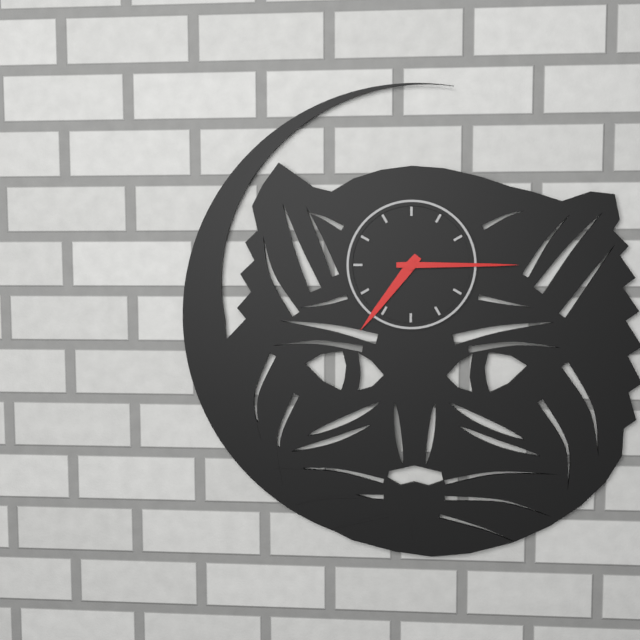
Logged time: 7.15
